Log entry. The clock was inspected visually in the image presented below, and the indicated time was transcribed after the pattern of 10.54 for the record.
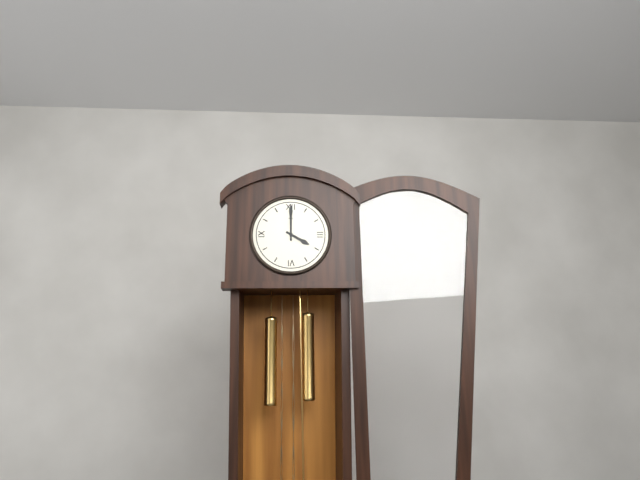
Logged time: 4.00
